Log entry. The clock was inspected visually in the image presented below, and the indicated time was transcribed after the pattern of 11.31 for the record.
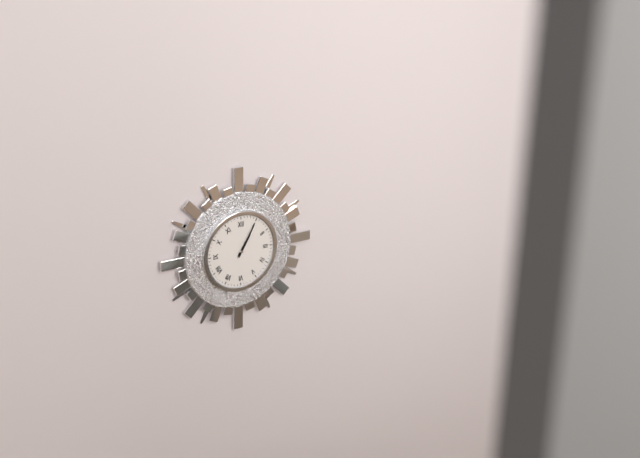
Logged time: 1.05
